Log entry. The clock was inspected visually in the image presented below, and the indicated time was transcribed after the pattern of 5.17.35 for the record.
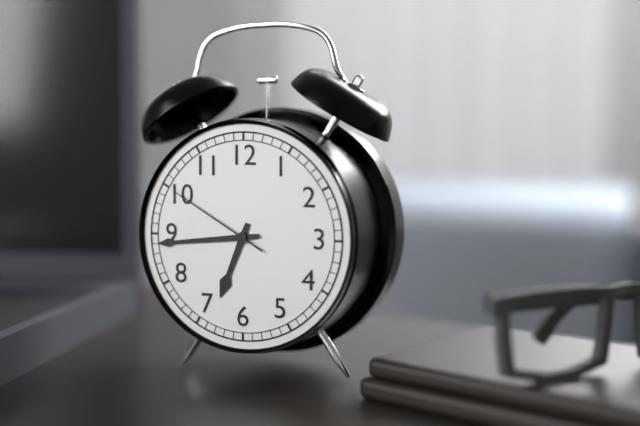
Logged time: 6.44.50
